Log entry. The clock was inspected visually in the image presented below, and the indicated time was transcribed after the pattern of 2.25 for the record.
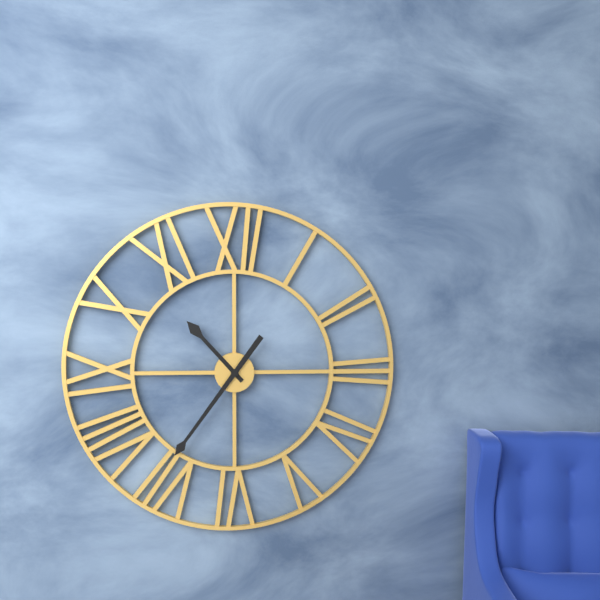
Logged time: 10.36
